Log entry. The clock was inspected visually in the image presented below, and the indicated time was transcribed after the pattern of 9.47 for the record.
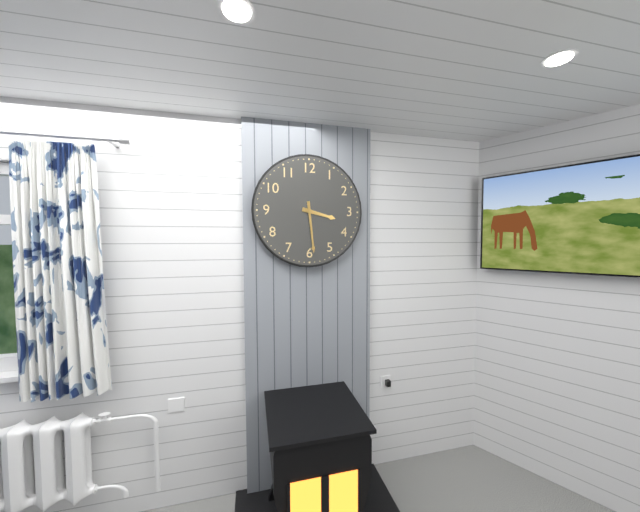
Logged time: 3.29
